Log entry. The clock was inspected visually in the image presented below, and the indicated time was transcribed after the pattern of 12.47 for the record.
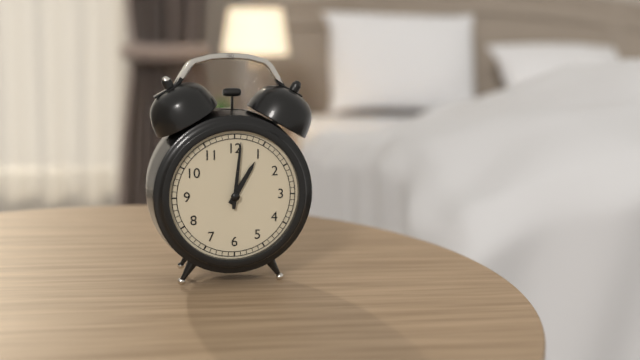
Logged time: 1.01
